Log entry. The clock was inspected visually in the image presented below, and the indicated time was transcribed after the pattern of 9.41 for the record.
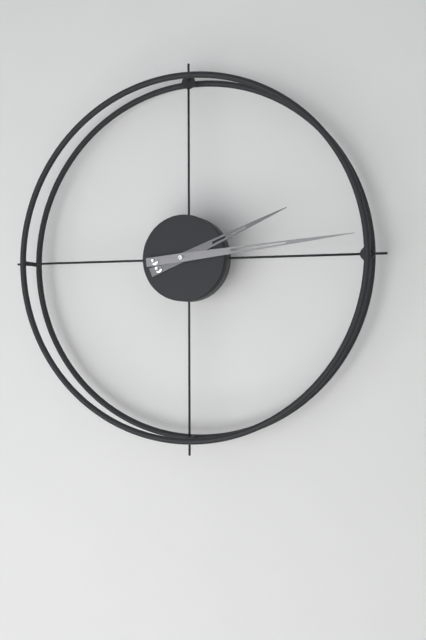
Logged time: 2.14
